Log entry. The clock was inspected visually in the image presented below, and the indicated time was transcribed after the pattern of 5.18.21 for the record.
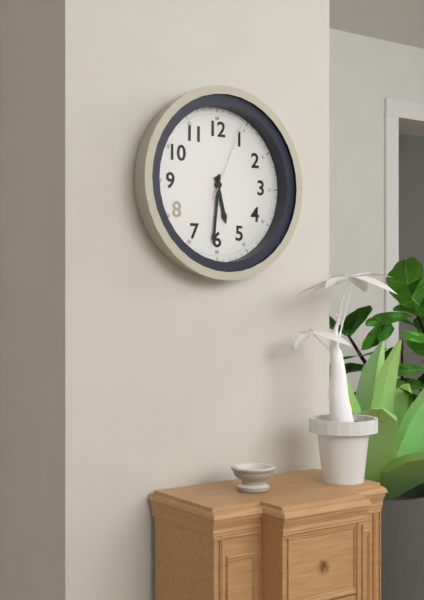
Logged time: 5.31.04
